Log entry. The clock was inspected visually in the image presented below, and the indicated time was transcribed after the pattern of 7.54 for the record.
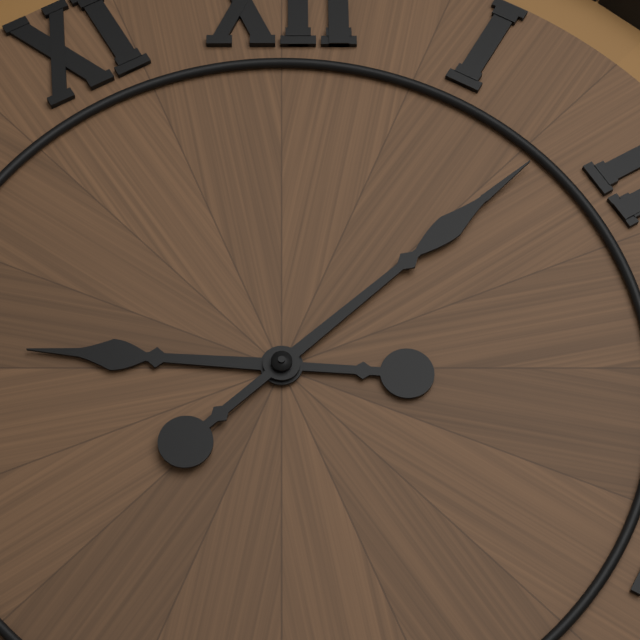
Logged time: 9.08
